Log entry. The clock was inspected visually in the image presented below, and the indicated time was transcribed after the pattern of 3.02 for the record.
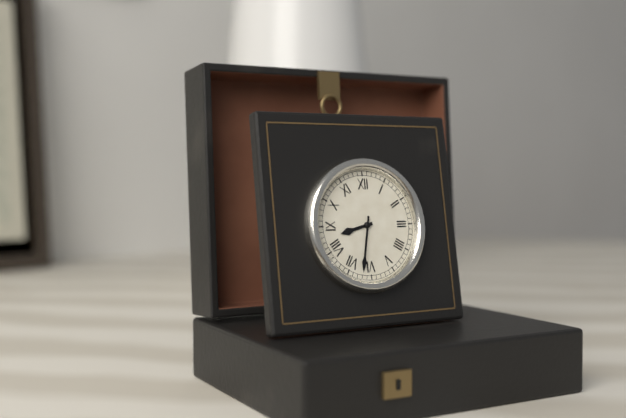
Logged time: 8.32
